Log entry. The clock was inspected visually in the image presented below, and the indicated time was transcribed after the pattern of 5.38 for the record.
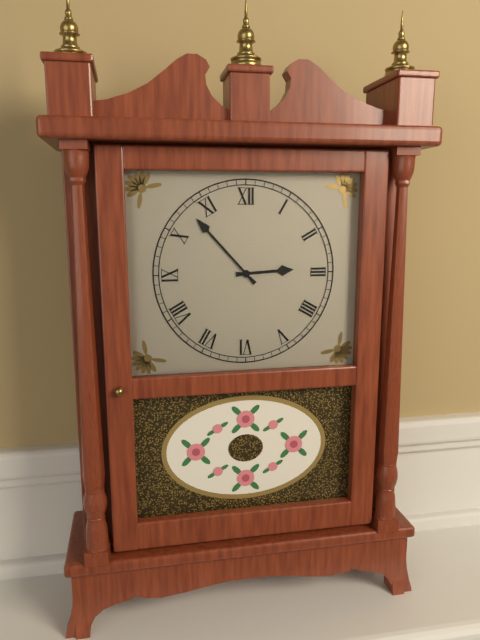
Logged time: 2.53
